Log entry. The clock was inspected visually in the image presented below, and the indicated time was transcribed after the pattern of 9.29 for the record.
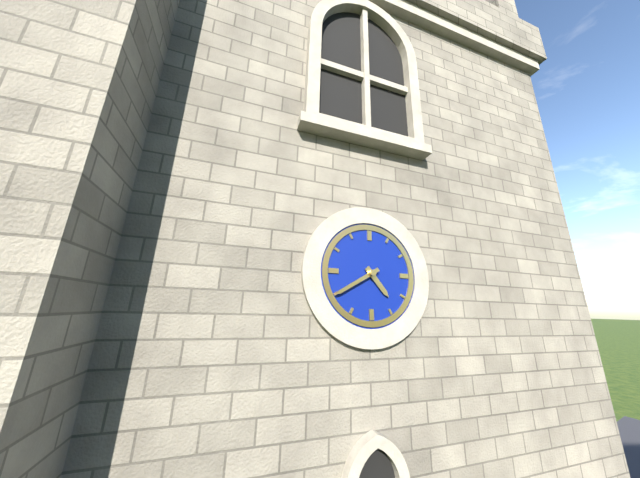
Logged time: 4.40
